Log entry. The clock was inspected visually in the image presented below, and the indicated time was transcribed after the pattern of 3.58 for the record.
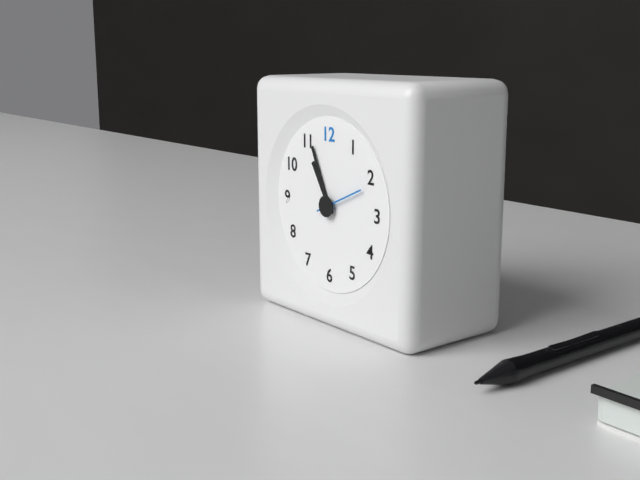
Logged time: 10.56
